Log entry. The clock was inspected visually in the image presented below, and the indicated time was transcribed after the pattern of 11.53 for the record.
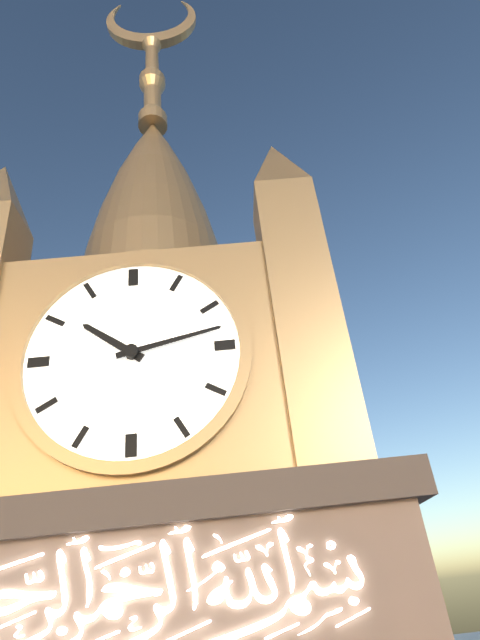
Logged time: 10.13
